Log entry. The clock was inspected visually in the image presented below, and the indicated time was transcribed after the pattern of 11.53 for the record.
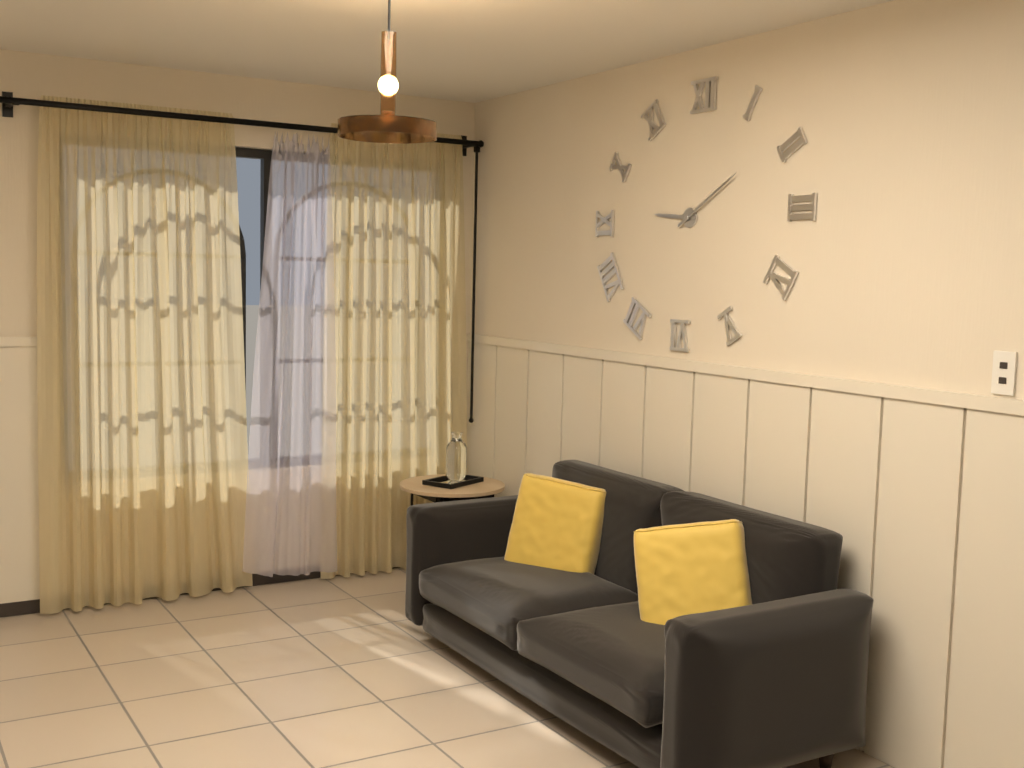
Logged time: 9.10
